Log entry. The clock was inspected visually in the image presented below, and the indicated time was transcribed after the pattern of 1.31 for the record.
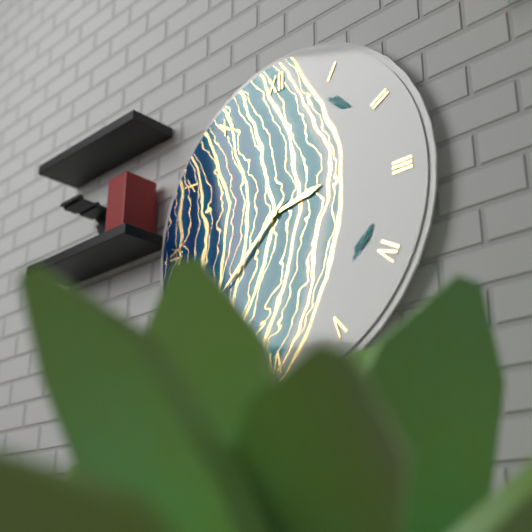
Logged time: 2.38
